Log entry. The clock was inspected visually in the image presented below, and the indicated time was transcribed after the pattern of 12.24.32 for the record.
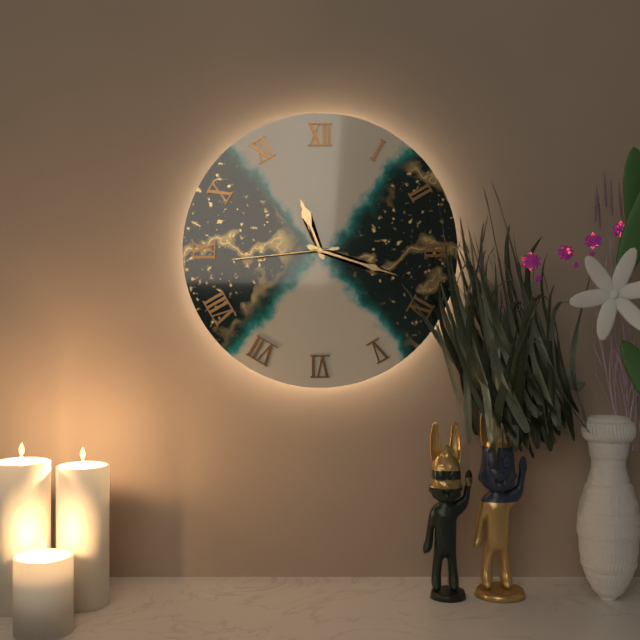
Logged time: 11.18.44
